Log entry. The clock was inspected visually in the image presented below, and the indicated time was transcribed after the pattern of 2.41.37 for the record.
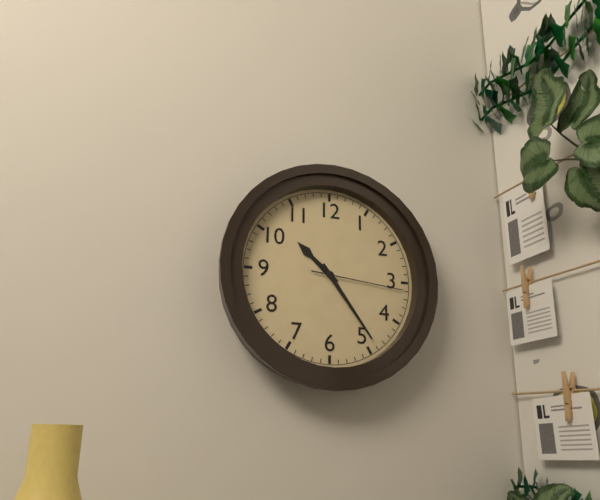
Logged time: 10.24.16
